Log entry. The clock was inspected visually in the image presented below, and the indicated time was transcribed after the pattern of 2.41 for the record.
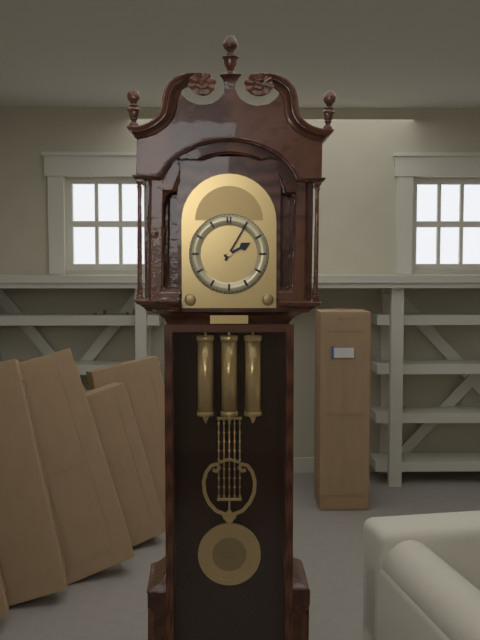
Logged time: 2.05
